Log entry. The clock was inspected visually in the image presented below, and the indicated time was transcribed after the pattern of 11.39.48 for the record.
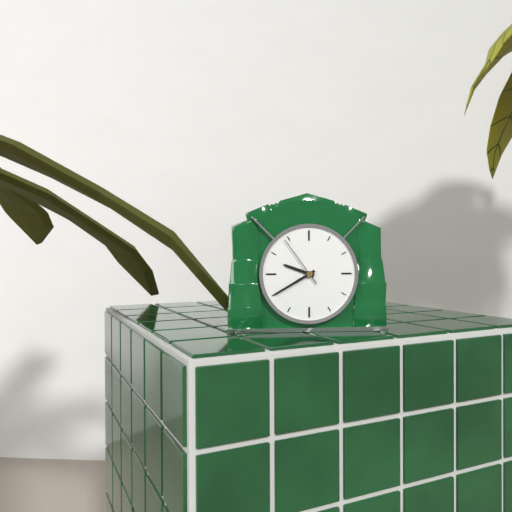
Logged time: 9.40.54
